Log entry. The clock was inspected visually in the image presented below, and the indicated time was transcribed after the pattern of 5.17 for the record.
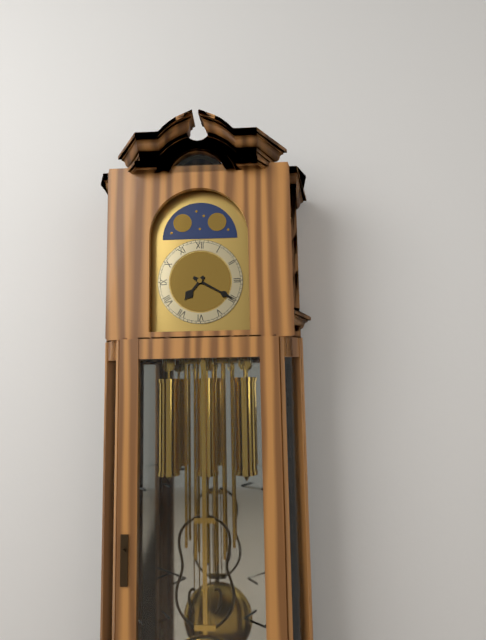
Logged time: 7.20
